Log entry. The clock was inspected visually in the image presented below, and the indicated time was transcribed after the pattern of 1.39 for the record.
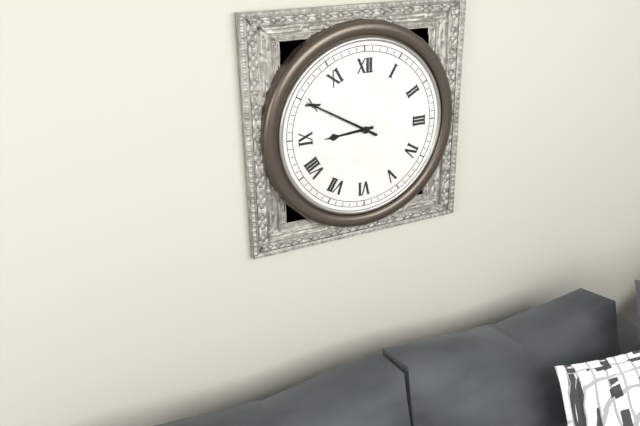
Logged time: 8.50
